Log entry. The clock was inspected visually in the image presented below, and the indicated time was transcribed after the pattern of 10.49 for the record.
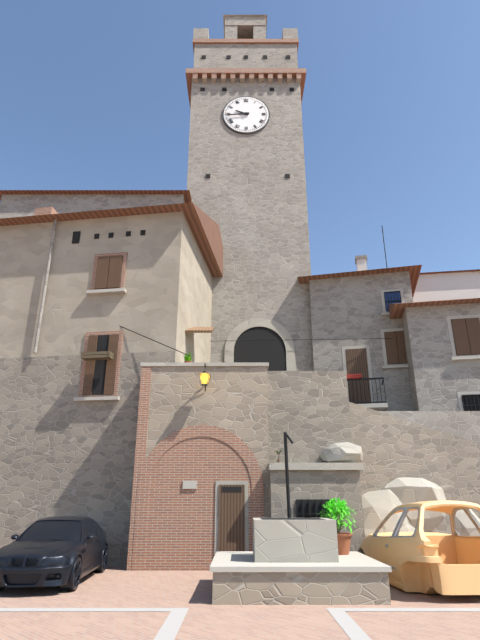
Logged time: 9.44
